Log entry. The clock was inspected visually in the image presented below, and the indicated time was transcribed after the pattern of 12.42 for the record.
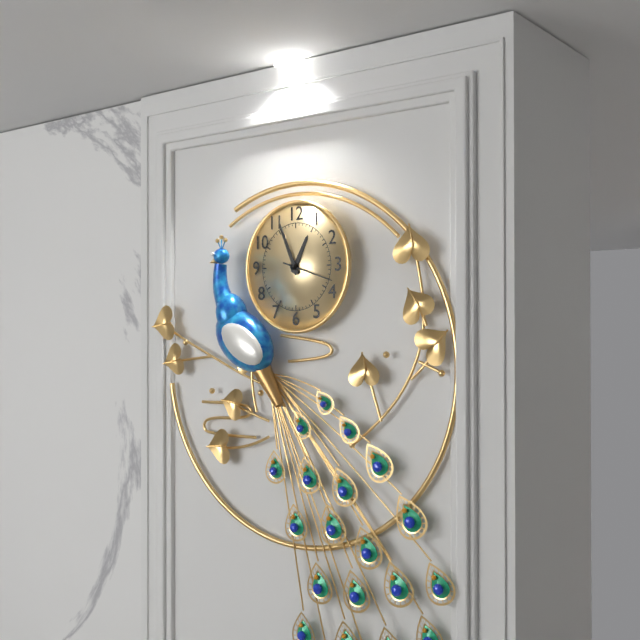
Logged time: 12.56
